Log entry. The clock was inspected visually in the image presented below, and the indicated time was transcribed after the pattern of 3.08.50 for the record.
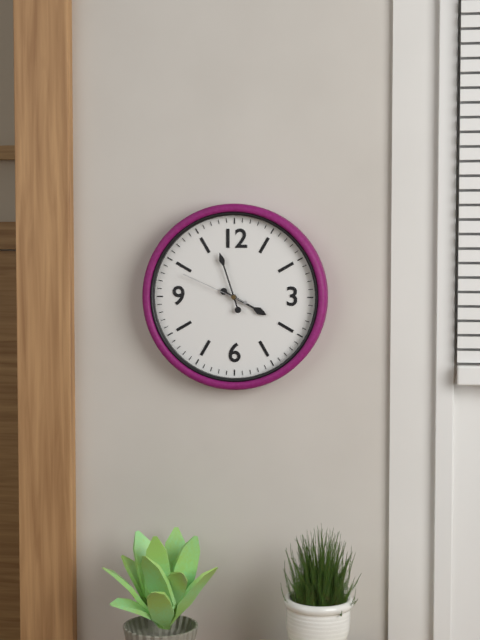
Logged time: 3.57.49
